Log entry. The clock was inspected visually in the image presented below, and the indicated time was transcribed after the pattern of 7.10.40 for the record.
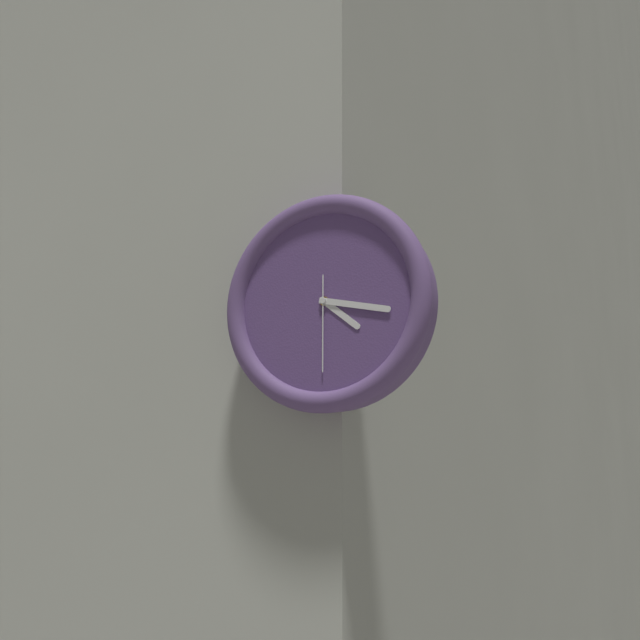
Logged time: 4.17.30
